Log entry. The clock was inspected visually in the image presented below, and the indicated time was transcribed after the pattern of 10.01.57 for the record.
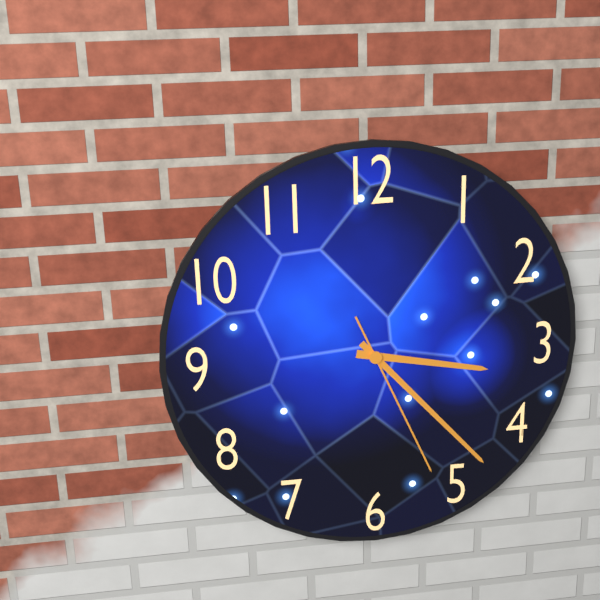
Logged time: 3.23.26
